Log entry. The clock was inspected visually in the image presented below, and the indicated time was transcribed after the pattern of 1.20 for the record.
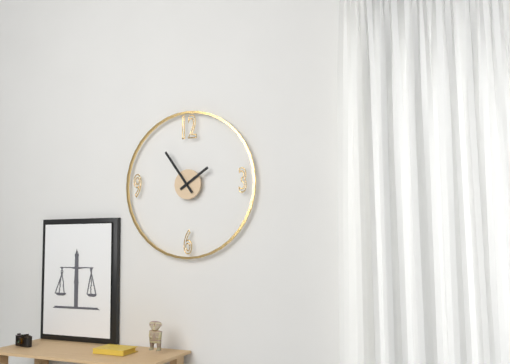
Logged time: 1.54
